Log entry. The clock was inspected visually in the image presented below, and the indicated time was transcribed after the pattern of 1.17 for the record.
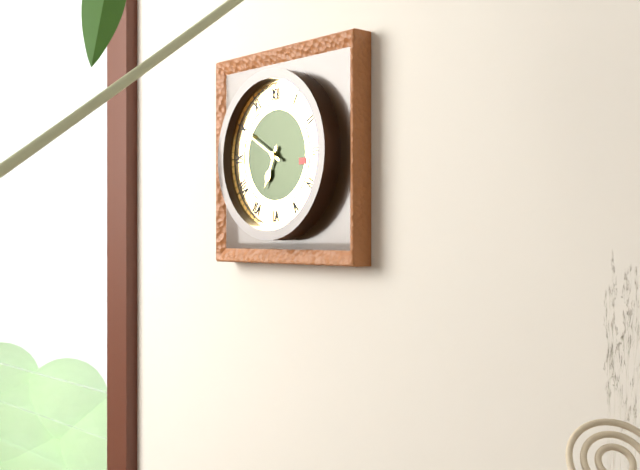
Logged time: 6.50
